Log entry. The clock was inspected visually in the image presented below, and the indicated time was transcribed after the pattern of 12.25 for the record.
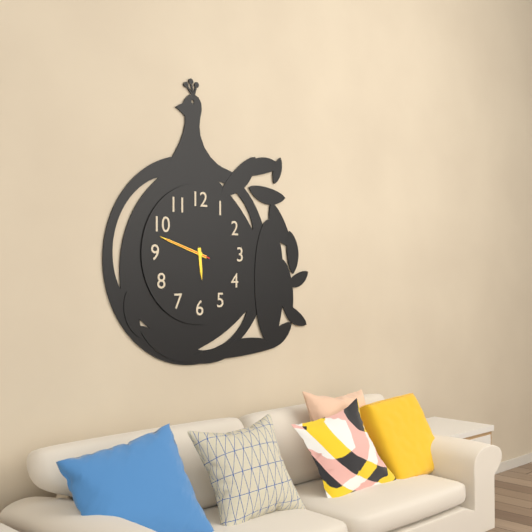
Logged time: 5.48
